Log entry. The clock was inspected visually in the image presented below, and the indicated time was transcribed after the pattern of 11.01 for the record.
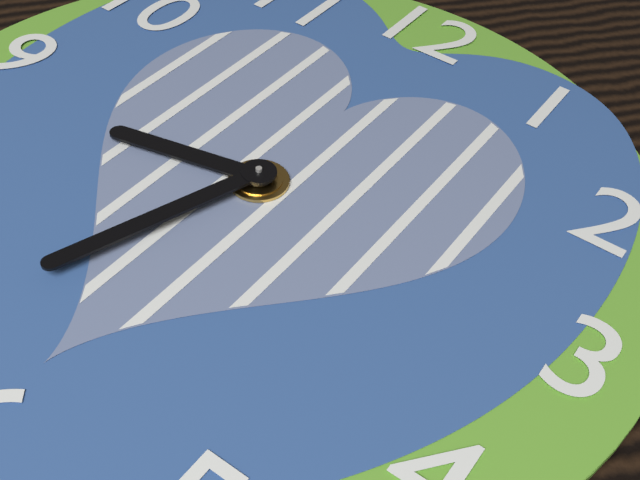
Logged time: 8.33
